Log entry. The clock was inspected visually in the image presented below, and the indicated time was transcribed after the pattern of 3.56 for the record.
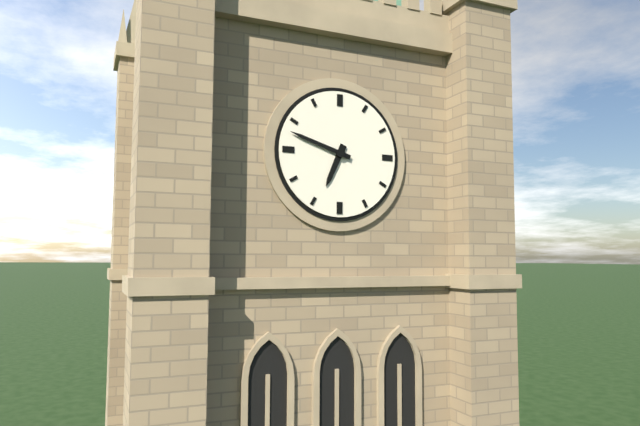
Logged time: 6.48
